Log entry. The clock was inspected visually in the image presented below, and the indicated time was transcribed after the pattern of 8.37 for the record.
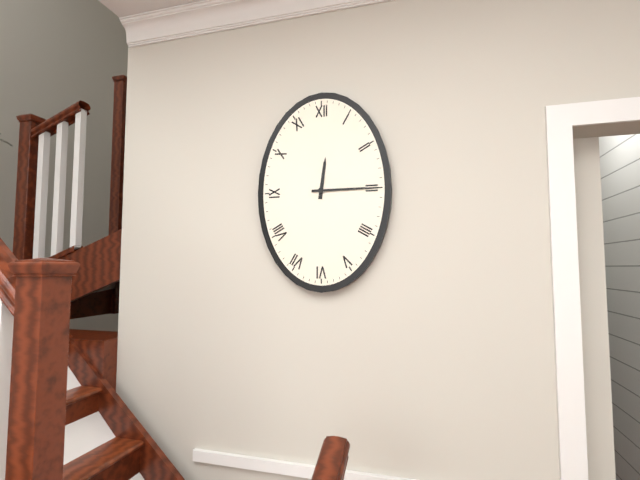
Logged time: 12.15
